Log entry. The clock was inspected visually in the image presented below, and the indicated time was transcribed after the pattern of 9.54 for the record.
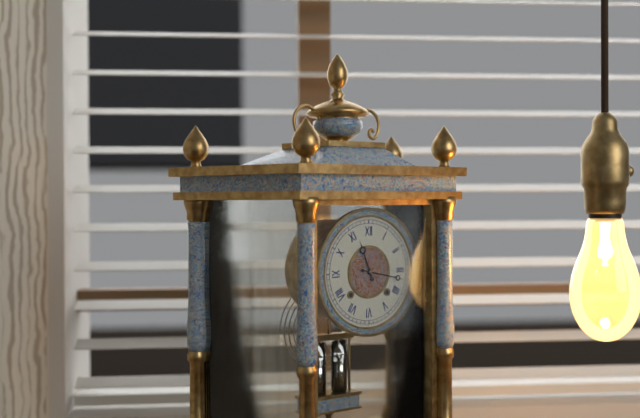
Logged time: 11.17
